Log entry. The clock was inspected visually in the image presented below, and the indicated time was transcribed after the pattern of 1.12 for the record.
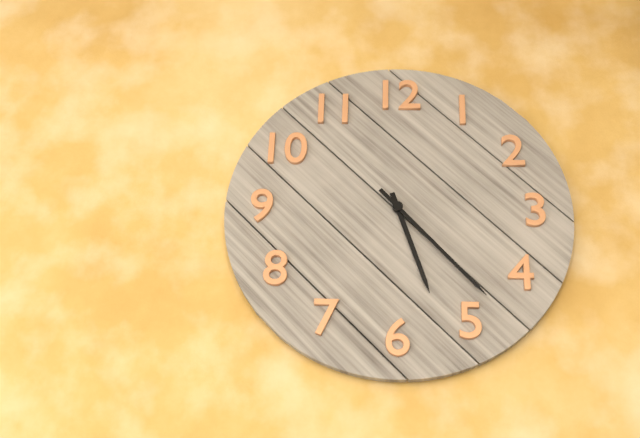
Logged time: 5.23
